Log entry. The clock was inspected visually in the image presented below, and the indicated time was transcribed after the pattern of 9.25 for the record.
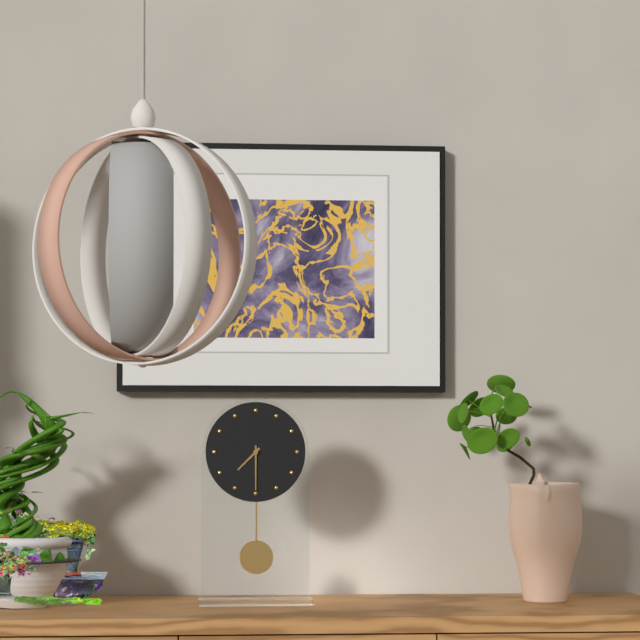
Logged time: 7.30
